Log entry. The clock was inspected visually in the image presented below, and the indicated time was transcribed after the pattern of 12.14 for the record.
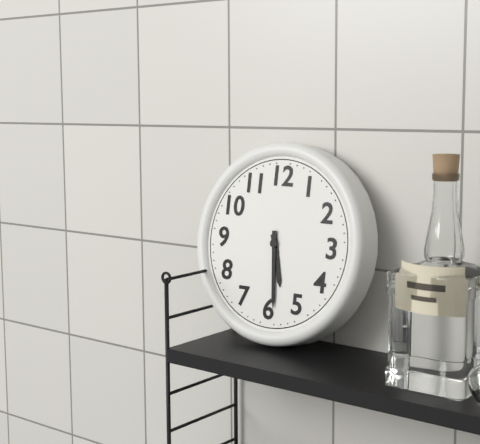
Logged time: 5.29
